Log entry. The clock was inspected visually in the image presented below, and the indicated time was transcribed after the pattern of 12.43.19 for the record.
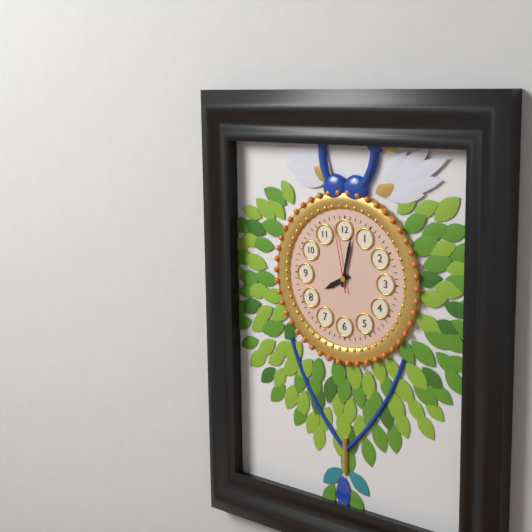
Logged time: 8.02.58
